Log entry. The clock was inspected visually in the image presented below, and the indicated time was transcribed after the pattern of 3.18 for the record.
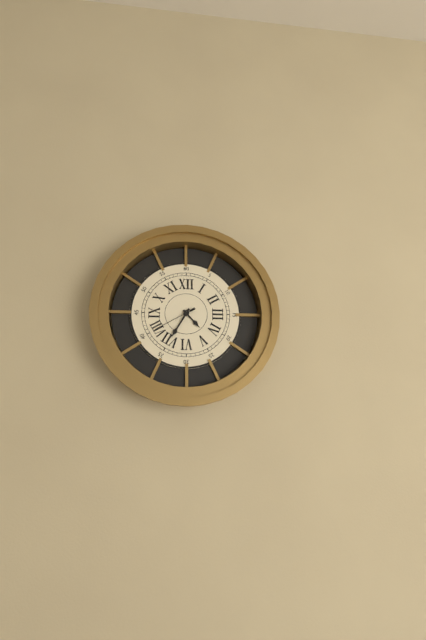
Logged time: 4.35
